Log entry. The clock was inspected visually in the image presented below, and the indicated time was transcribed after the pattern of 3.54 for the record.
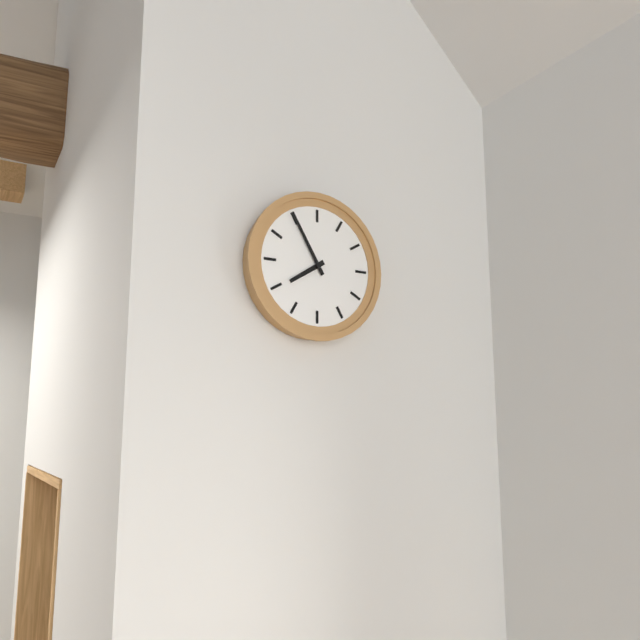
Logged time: 7.55
